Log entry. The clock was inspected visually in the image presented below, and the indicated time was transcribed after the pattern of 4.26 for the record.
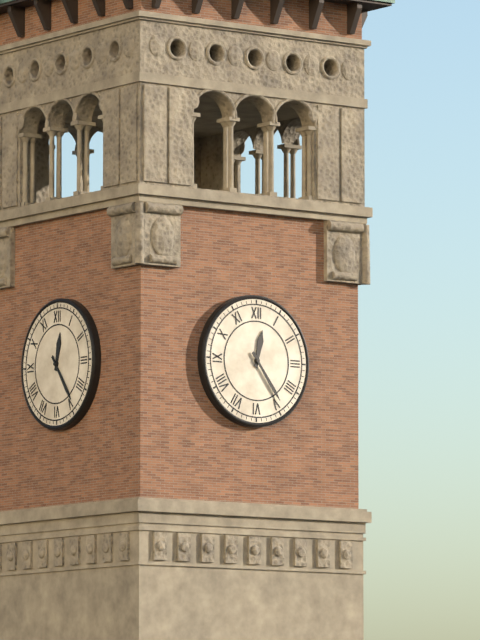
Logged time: 12.24
